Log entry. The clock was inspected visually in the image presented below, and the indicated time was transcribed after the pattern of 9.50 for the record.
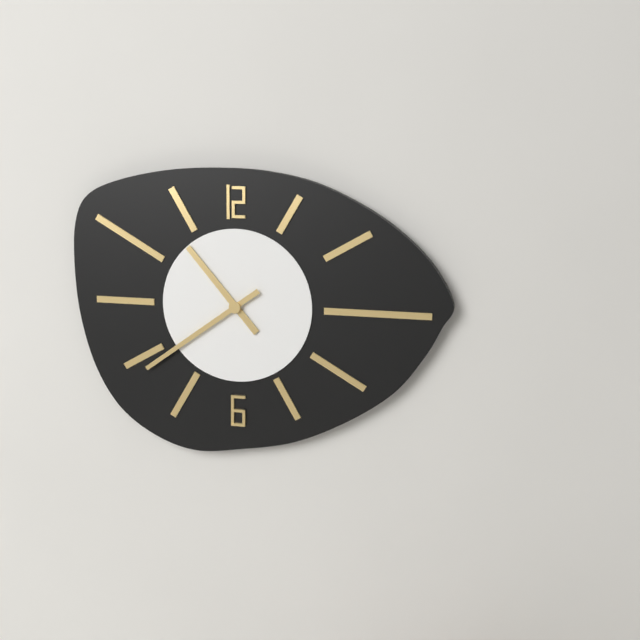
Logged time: 10.39
